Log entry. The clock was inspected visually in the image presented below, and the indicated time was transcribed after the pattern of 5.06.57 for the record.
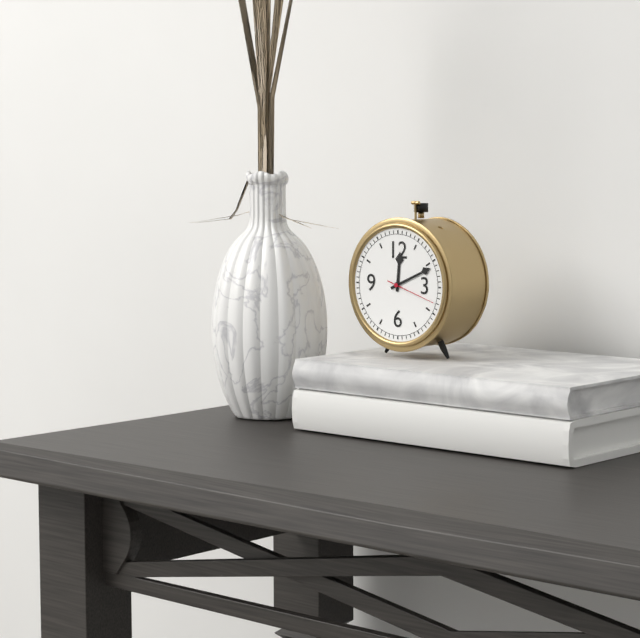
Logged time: 12.11.18
